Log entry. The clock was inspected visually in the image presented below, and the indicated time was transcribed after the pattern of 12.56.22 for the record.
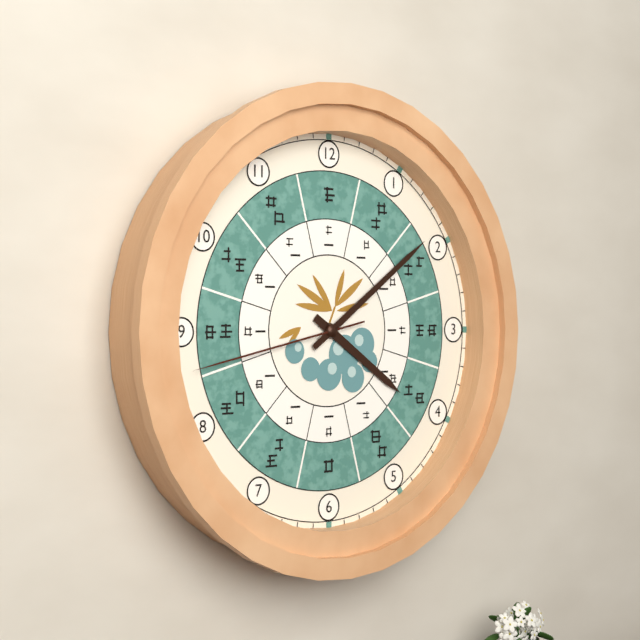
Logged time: 4.09.43
